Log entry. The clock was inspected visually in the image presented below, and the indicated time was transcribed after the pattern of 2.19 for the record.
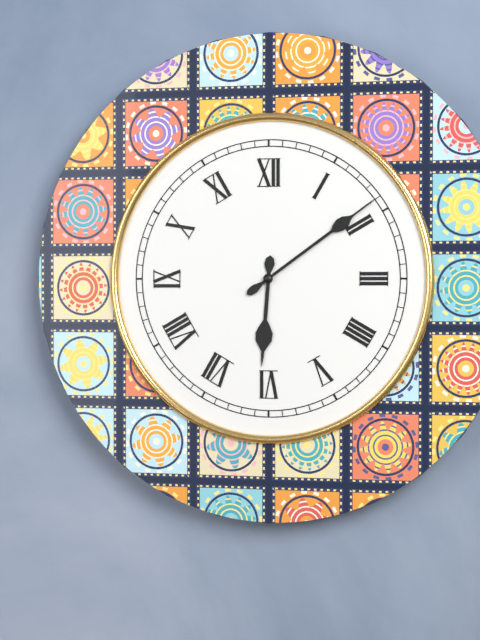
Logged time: 6.09
